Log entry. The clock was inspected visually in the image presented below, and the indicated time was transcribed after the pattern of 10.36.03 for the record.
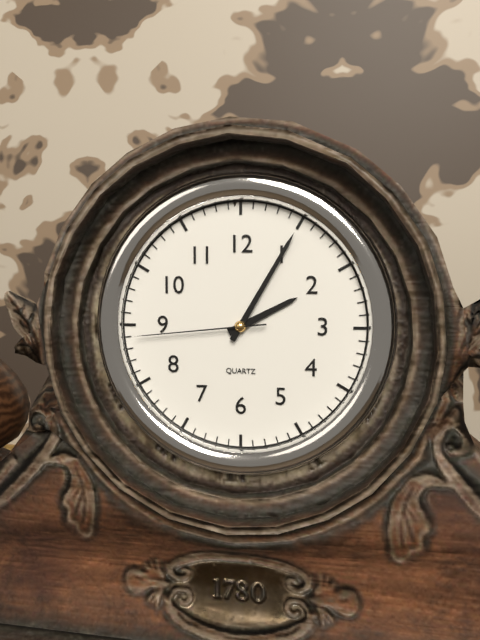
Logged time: 2.05.44
